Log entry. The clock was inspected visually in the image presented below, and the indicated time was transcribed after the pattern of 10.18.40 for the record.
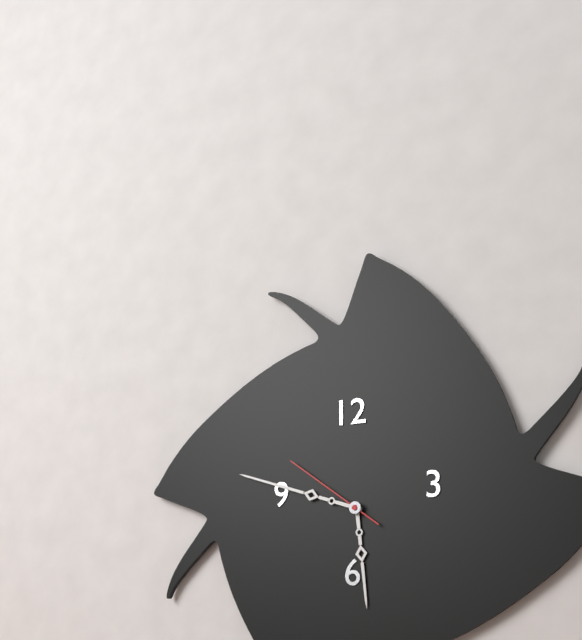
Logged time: 5.48.51
